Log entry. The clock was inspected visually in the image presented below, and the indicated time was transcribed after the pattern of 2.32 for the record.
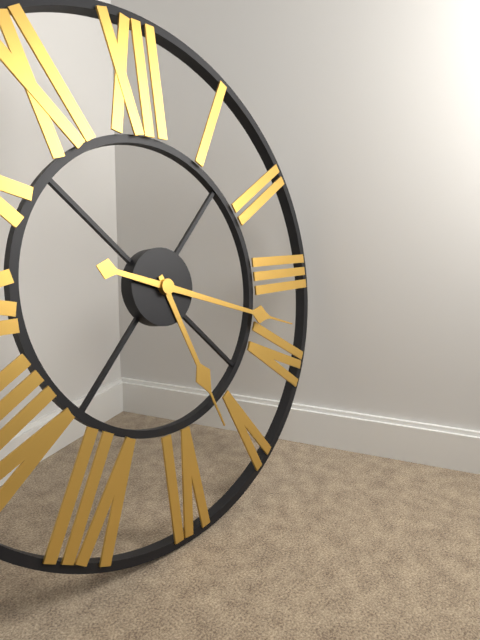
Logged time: 5.18
